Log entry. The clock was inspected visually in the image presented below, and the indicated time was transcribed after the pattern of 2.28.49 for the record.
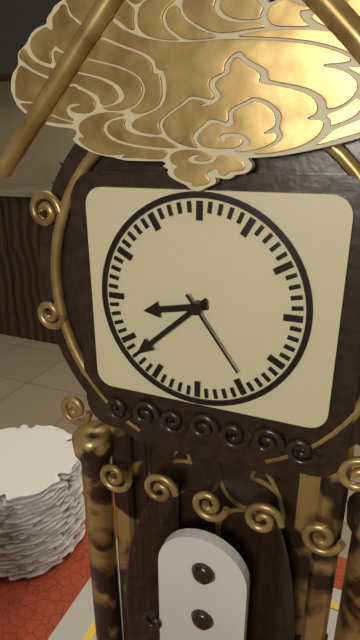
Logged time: 8.38.24
